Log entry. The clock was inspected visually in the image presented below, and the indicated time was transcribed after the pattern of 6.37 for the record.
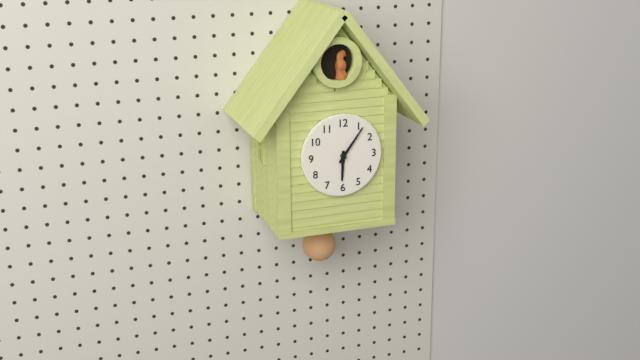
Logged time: 6.06
